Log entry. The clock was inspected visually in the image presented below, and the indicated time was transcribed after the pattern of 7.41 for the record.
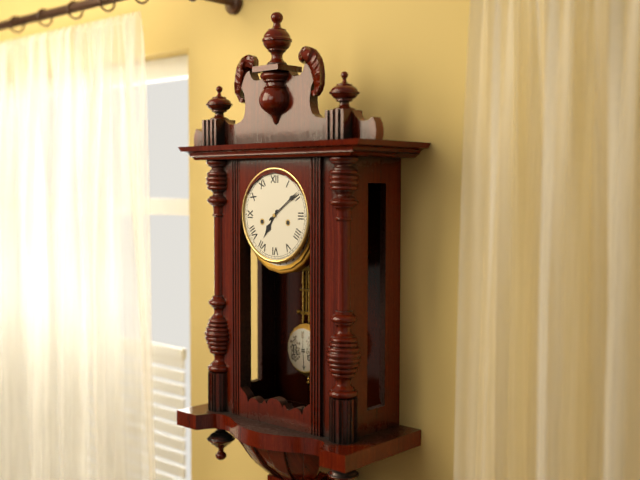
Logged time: 7.09
